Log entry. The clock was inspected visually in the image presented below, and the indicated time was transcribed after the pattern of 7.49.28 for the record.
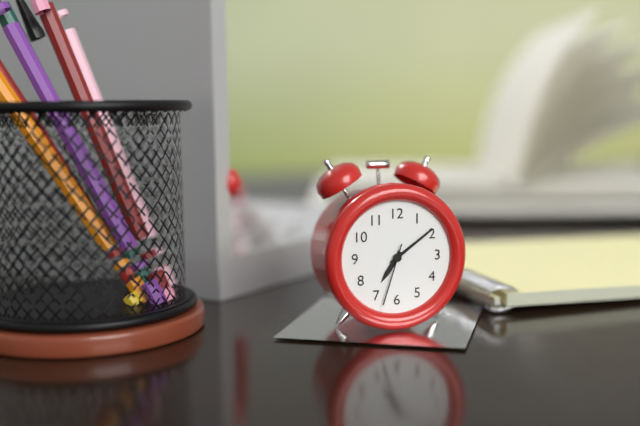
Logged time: 7.09.33
